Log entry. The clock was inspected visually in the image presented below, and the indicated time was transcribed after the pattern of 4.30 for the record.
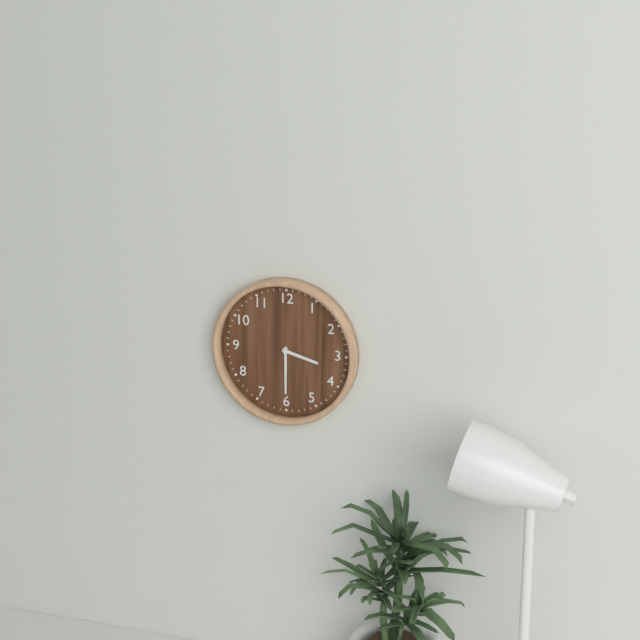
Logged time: 3.30
